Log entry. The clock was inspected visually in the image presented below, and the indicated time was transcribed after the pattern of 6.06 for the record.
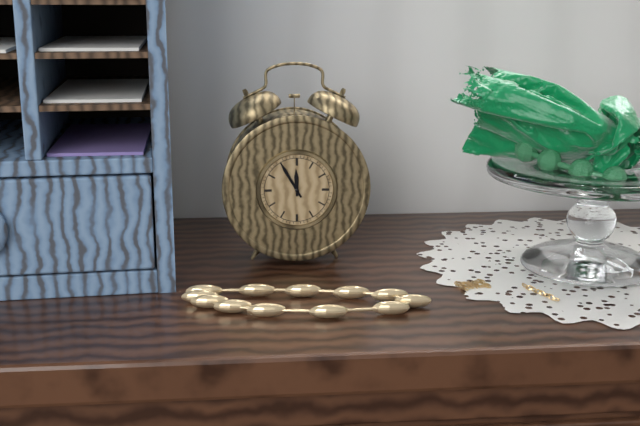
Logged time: 11.55
